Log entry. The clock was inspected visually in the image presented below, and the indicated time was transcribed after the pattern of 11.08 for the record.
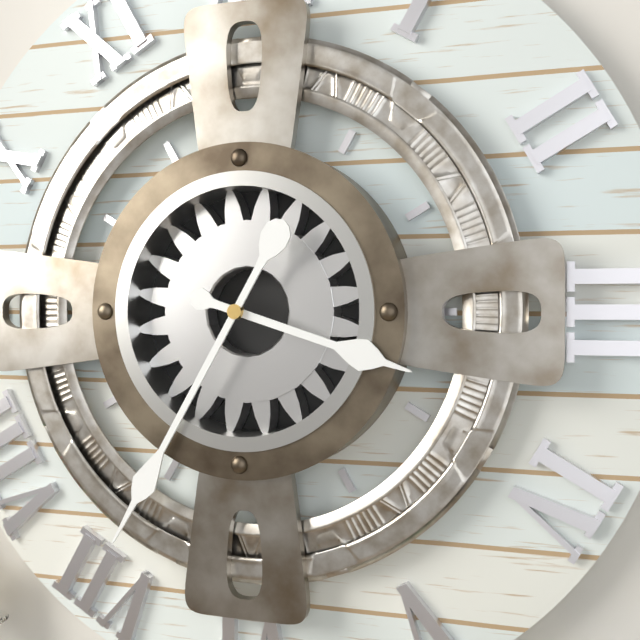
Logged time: 3.35
